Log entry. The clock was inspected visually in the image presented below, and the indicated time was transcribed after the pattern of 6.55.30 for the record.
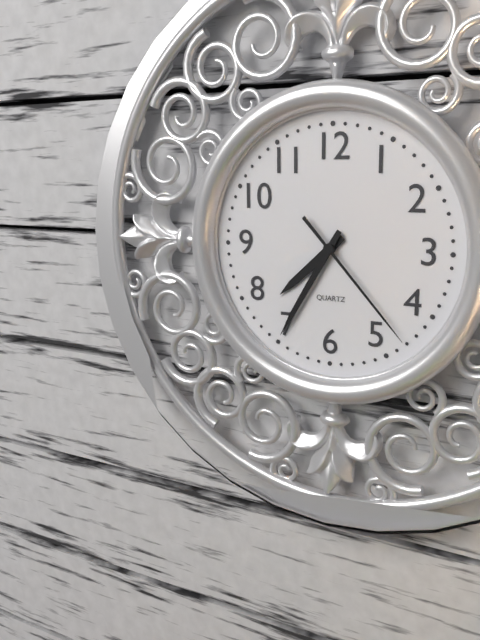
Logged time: 7.35.23
